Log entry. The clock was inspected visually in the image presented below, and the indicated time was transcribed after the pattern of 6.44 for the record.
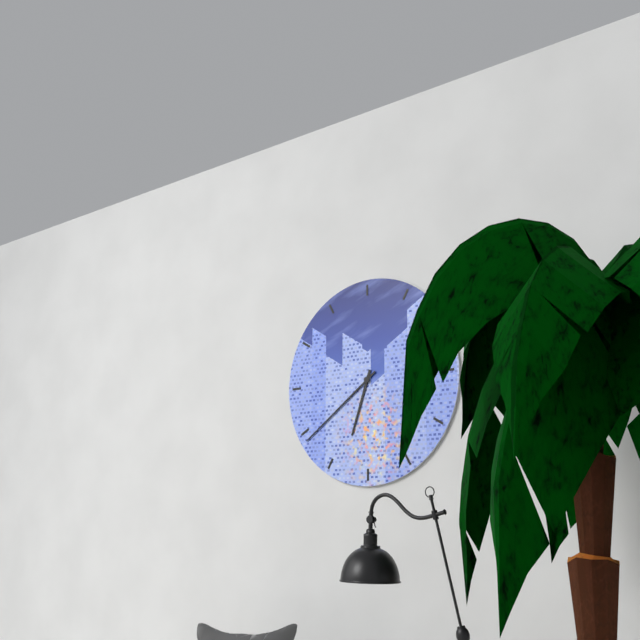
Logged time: 6.39
